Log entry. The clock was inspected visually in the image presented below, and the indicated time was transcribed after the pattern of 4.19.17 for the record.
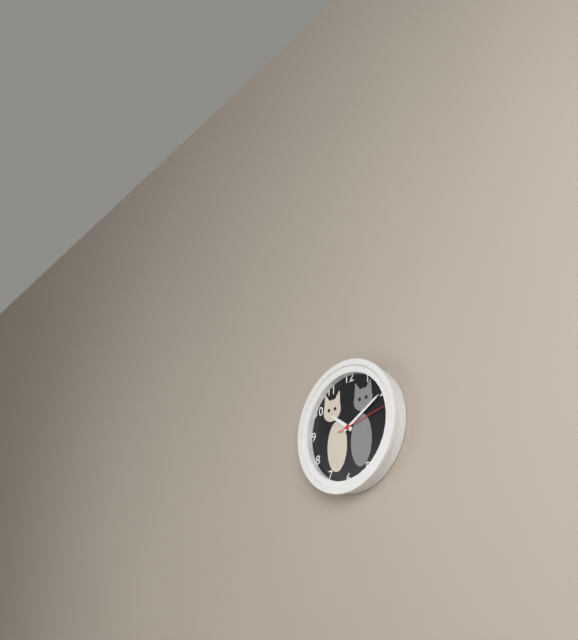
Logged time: 10.10.13
